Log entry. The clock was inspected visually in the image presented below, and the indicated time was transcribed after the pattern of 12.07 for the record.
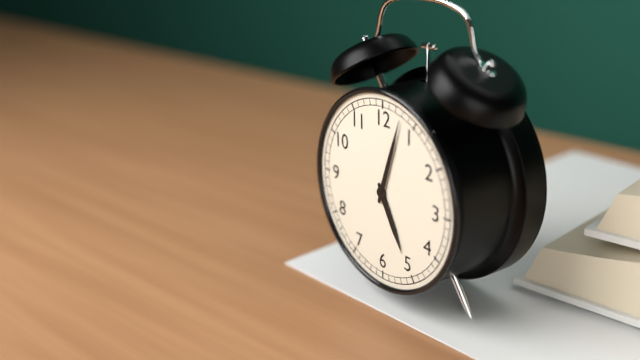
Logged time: 5.03
